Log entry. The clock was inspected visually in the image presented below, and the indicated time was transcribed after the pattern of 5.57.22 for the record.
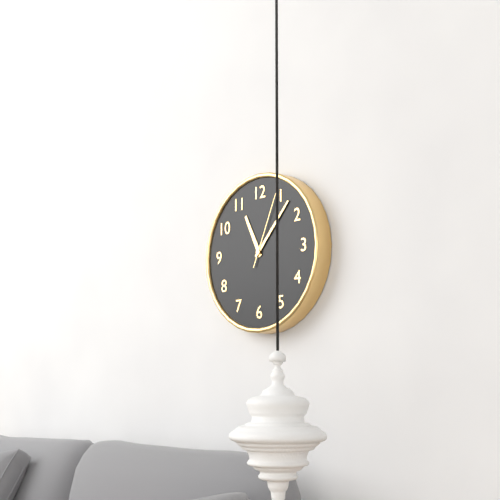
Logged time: 11.07.04
